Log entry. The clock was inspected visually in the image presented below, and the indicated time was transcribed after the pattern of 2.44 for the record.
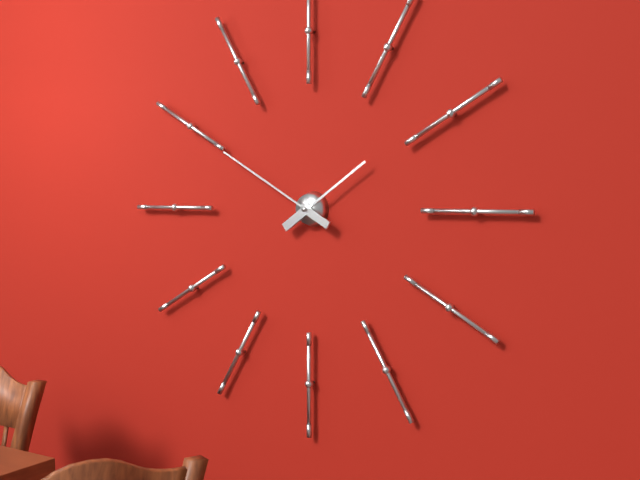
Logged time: 1.50
